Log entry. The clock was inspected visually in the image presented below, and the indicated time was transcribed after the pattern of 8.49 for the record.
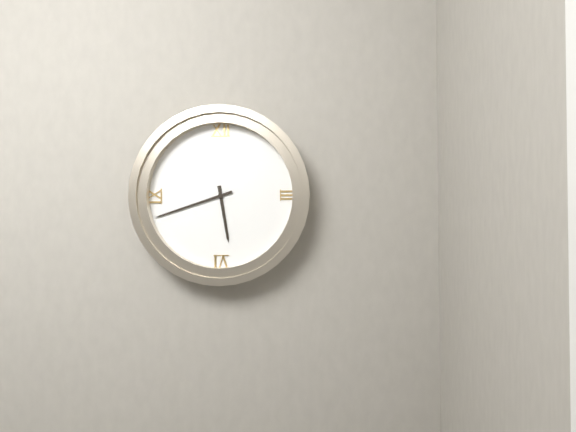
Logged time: 5.42
